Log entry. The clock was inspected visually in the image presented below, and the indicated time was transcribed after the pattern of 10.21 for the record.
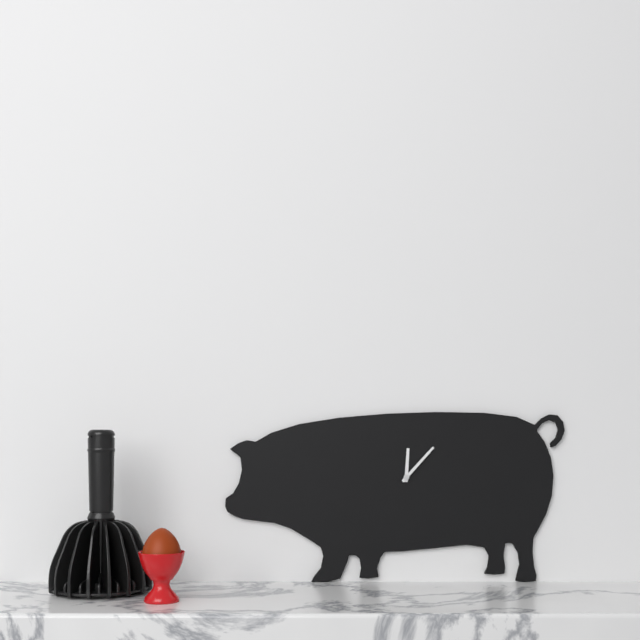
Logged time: 12.07
